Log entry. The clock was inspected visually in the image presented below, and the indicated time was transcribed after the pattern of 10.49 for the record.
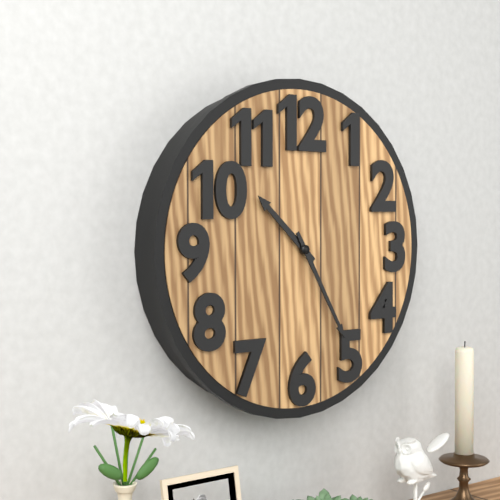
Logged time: 10.25
